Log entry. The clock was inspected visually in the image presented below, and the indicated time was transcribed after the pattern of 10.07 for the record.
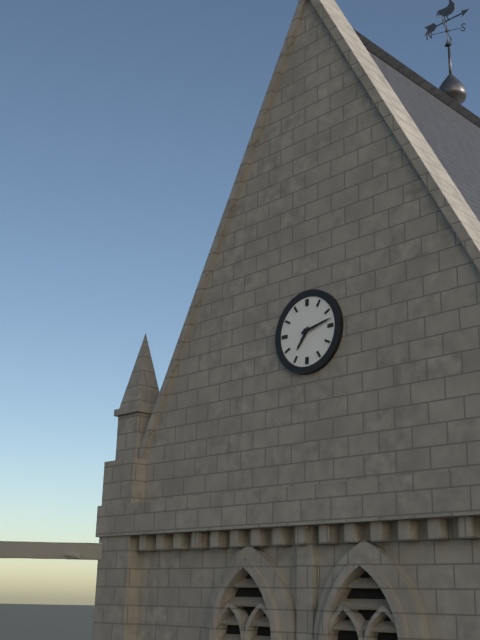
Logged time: 7.13
